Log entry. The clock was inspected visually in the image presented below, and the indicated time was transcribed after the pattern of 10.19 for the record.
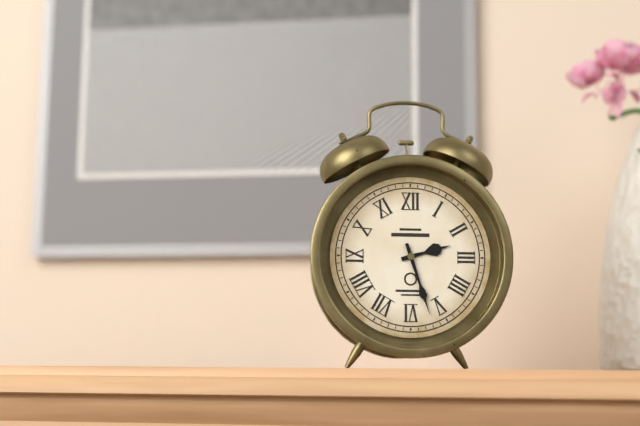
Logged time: 2.27
